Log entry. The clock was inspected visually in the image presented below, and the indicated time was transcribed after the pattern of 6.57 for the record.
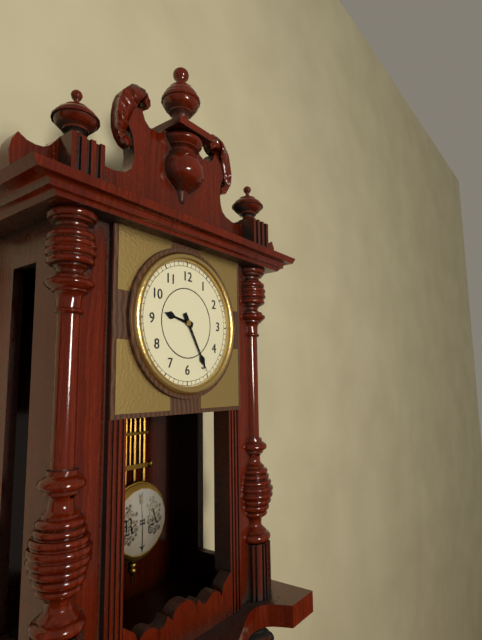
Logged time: 9.25
